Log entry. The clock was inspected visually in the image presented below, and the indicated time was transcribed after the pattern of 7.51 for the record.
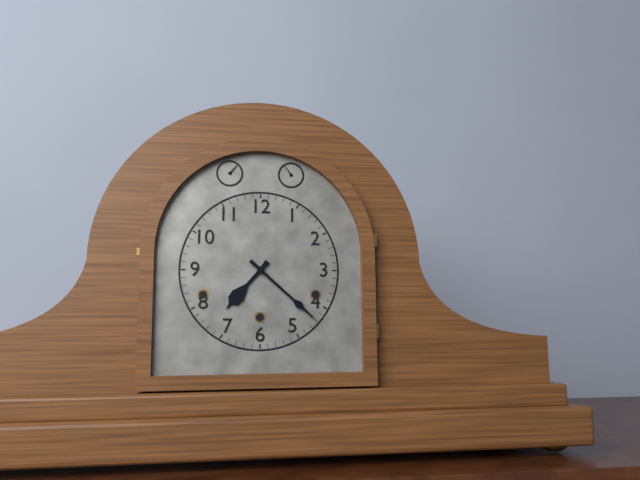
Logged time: 7.22
